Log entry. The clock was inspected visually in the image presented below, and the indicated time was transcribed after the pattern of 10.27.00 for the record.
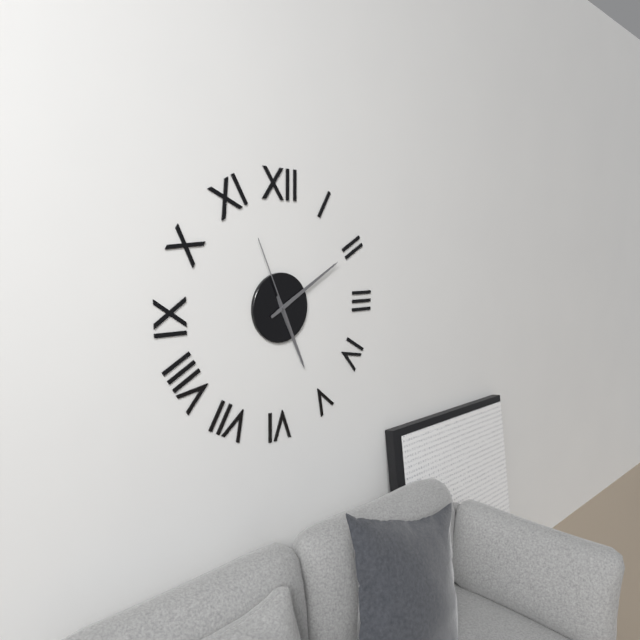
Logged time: 5.10.56
